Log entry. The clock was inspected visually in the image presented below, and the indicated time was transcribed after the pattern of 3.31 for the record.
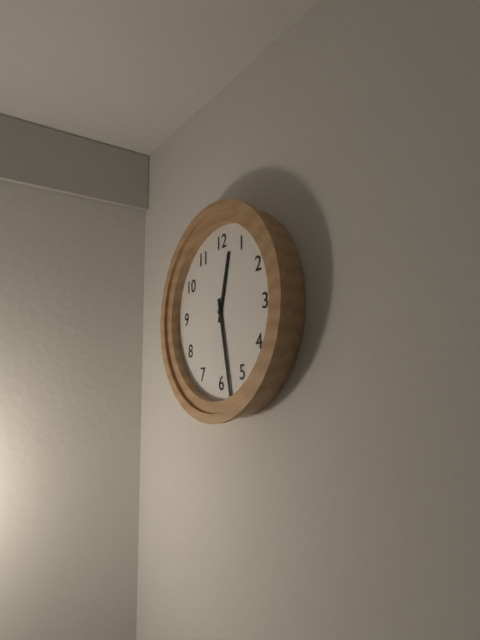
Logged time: 12.28
